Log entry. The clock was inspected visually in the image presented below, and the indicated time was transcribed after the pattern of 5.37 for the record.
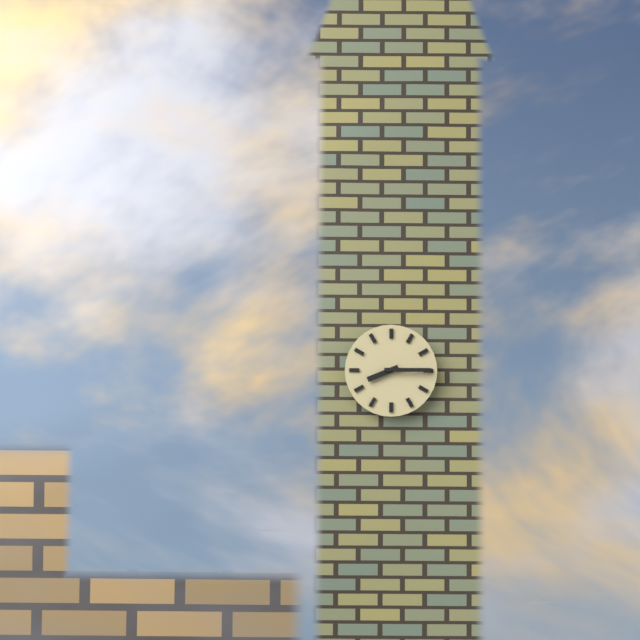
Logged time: 8.15
